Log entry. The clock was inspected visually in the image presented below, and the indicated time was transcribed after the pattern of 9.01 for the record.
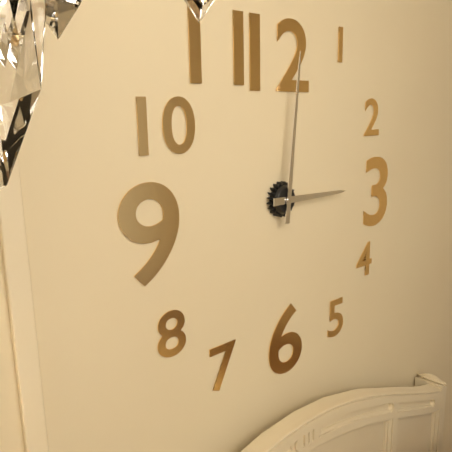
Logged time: 3.01
